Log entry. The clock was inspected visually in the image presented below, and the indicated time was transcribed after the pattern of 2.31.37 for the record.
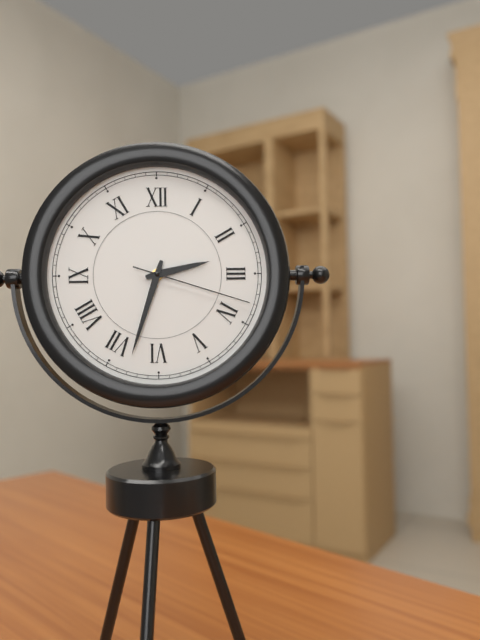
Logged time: 2.33.18
